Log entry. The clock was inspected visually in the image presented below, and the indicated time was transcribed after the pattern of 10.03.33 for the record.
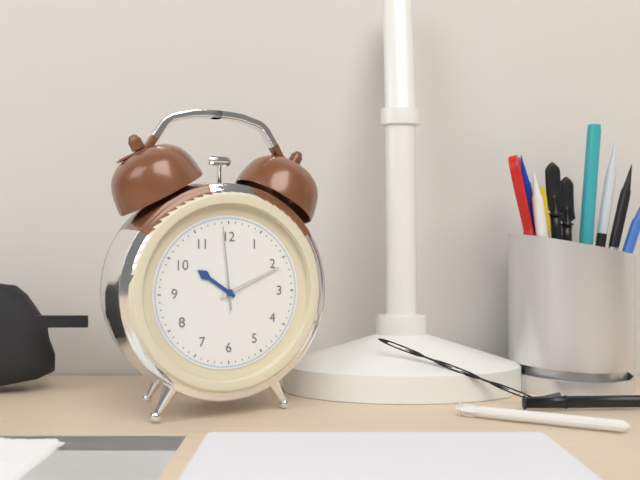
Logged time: 10.11.59
